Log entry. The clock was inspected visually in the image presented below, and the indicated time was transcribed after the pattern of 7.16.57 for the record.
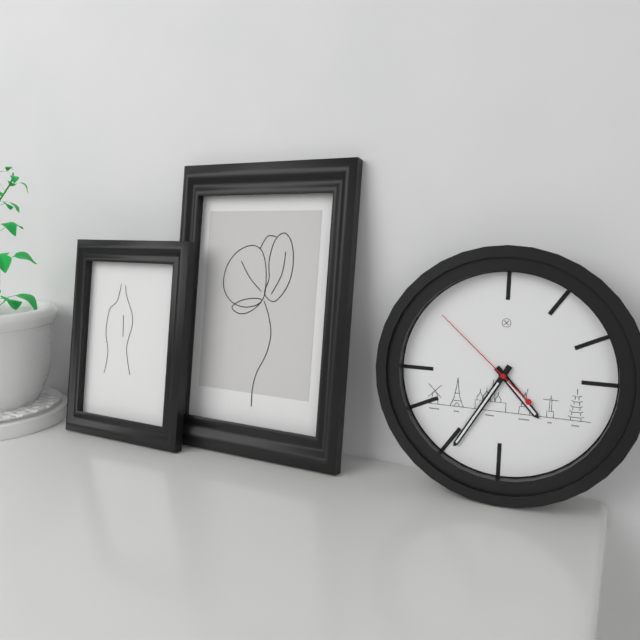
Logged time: 4.35.52
